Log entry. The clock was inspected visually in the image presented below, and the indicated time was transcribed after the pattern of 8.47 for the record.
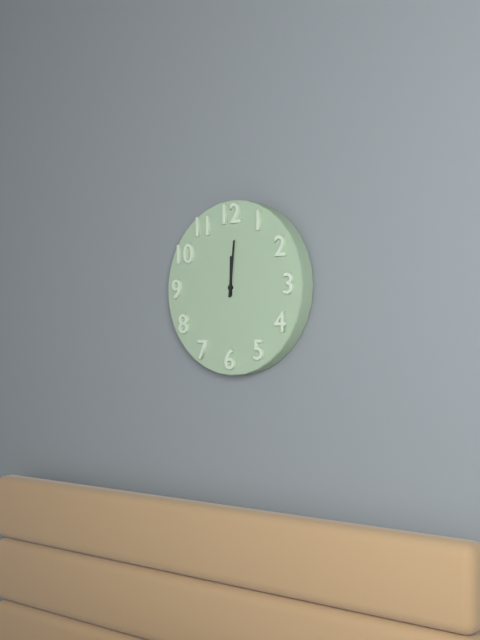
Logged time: 12.01
